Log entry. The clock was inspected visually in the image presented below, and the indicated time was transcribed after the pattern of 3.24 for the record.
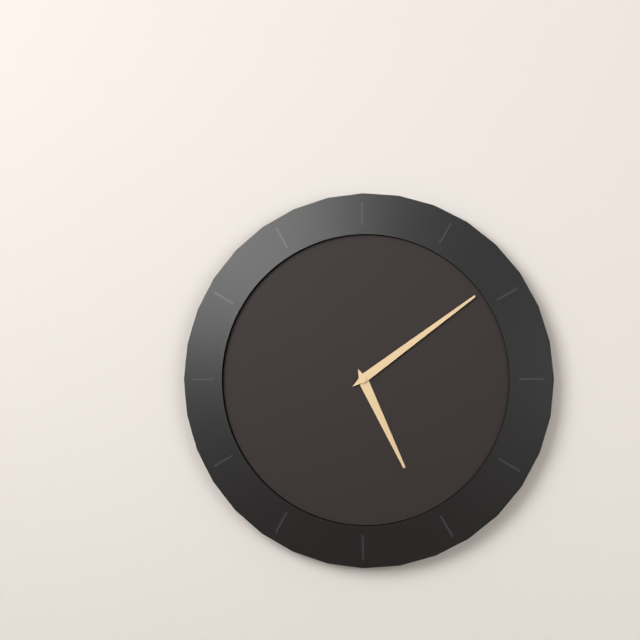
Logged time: 5.09
